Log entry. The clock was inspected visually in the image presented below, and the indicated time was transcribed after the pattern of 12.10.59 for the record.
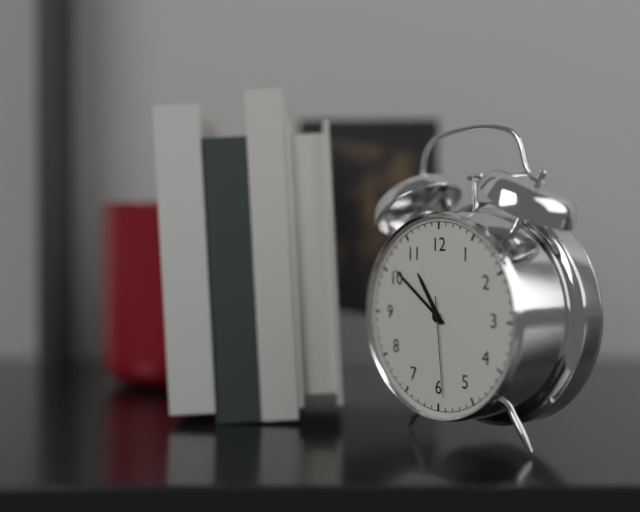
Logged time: 10.51.29
